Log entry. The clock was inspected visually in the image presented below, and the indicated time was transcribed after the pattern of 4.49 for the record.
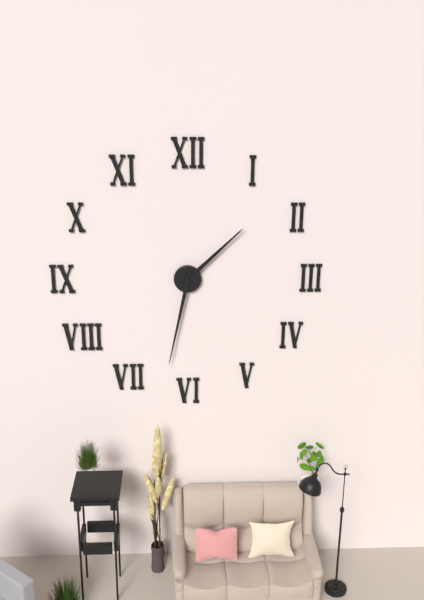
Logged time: 1.32
